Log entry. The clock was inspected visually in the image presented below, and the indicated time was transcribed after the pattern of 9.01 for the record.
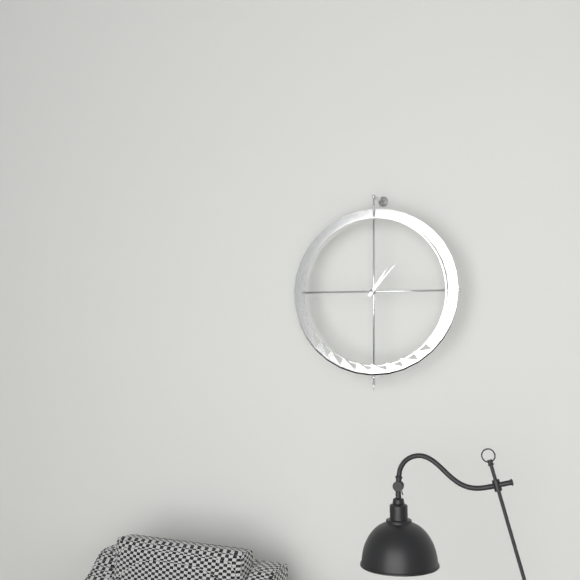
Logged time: 1.07
